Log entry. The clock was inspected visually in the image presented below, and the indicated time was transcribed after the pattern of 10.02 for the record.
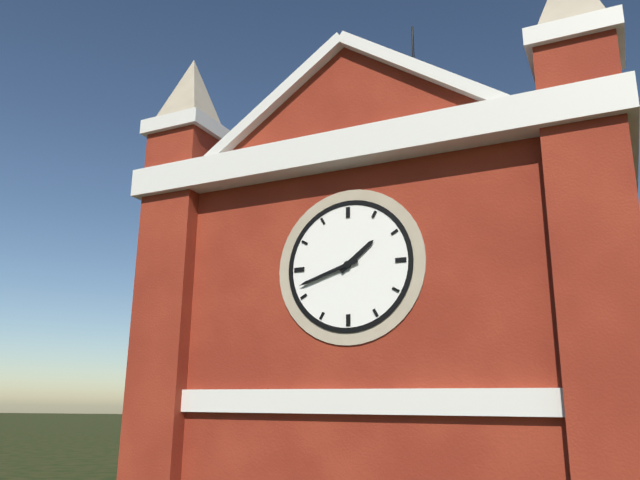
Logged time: 1.42
